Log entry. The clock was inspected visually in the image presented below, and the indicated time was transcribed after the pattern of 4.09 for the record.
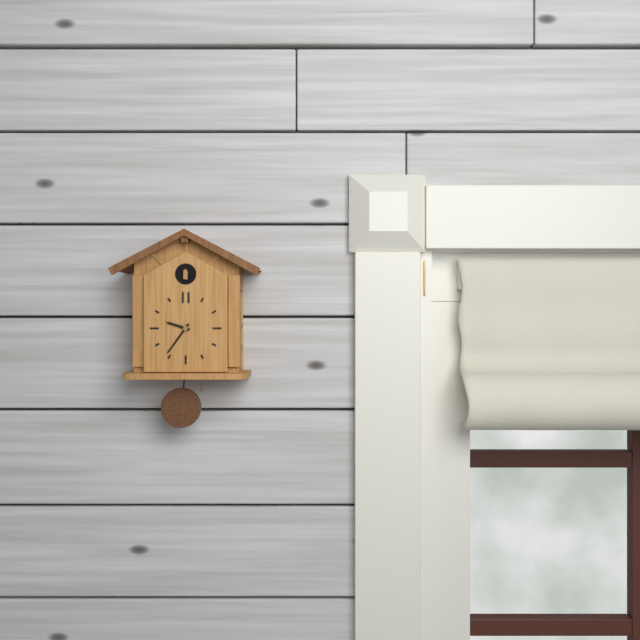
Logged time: 9.36
